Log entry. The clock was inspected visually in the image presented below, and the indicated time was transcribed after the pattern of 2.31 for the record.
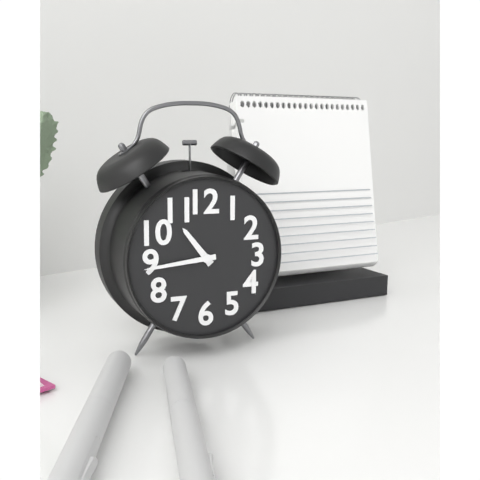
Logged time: 10.44
